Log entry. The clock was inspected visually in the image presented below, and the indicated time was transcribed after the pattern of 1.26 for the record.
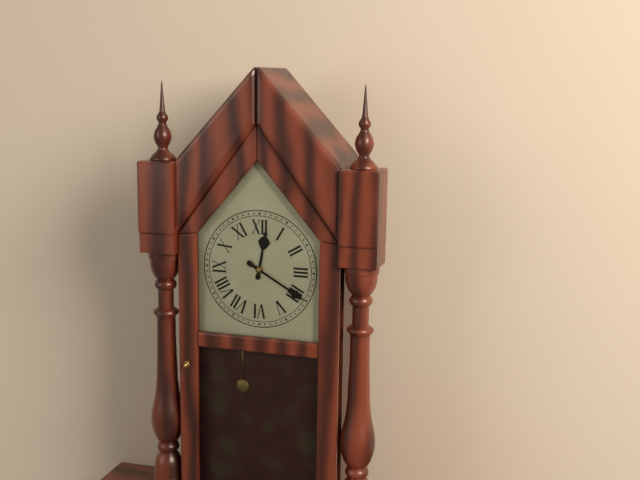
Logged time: 12.20
